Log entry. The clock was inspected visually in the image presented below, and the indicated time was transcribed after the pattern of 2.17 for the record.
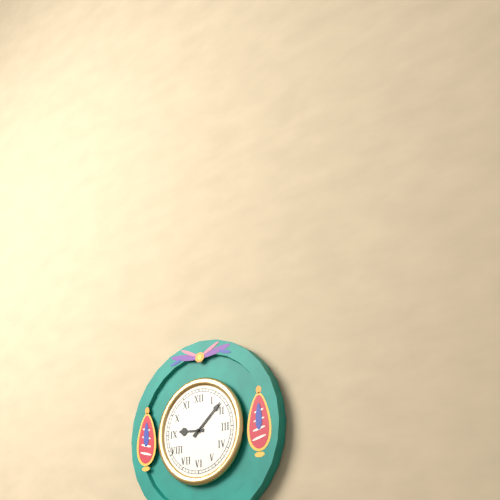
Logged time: 9.08
